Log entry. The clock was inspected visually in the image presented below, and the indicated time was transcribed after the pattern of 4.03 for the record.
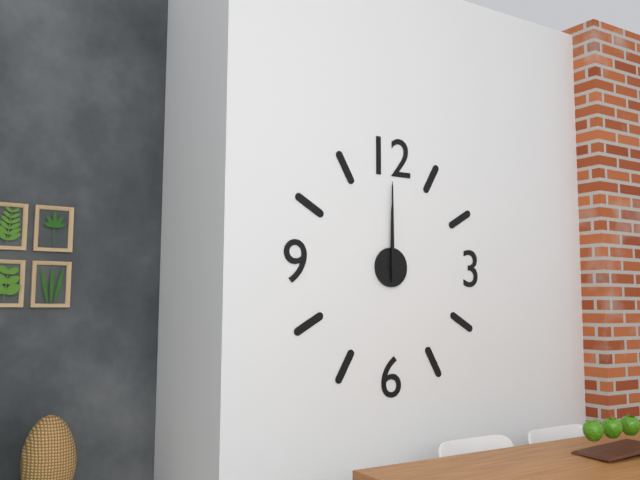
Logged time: 12.00
